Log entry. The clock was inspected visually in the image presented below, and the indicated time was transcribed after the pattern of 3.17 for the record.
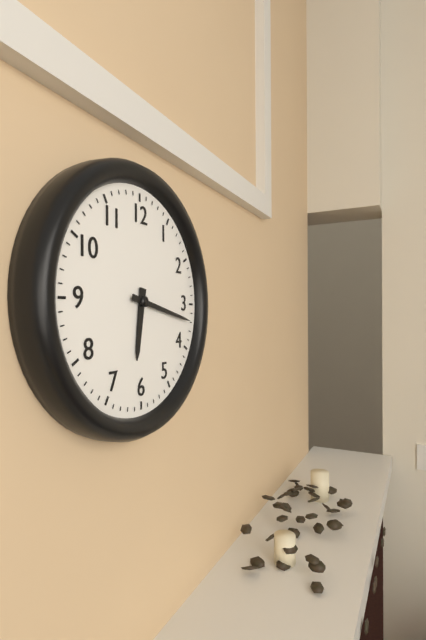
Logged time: 6.17
